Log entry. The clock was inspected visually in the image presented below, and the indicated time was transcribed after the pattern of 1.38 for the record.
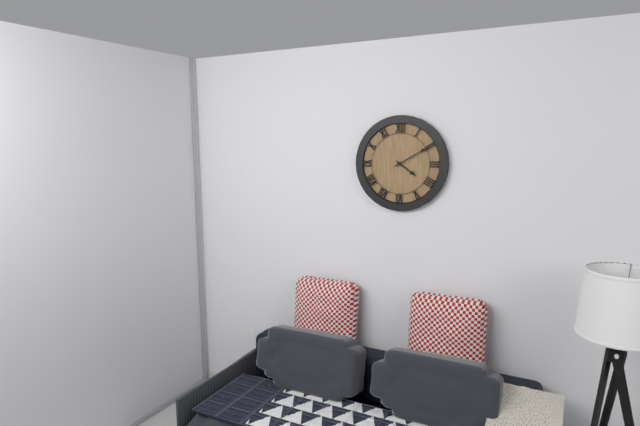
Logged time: 4.10
